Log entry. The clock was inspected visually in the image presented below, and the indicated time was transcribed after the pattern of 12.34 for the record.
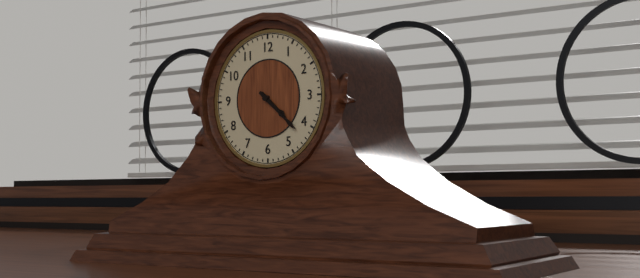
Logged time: 4.22
